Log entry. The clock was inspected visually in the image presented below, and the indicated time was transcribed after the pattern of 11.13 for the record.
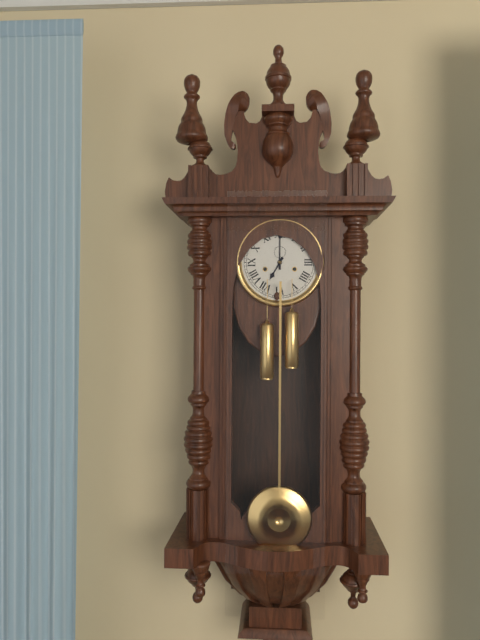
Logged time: 7.00
